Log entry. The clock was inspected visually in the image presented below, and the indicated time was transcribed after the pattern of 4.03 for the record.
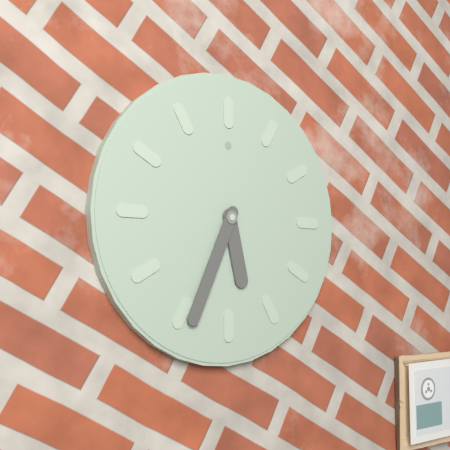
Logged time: 5.34
